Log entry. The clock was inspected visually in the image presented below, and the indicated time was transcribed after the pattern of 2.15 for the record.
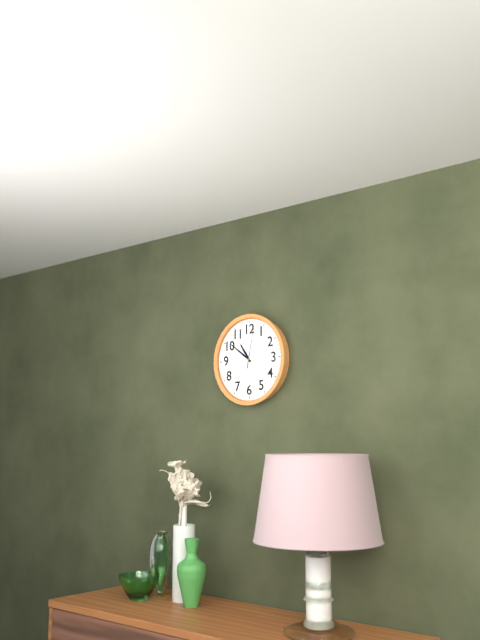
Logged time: 10.51
